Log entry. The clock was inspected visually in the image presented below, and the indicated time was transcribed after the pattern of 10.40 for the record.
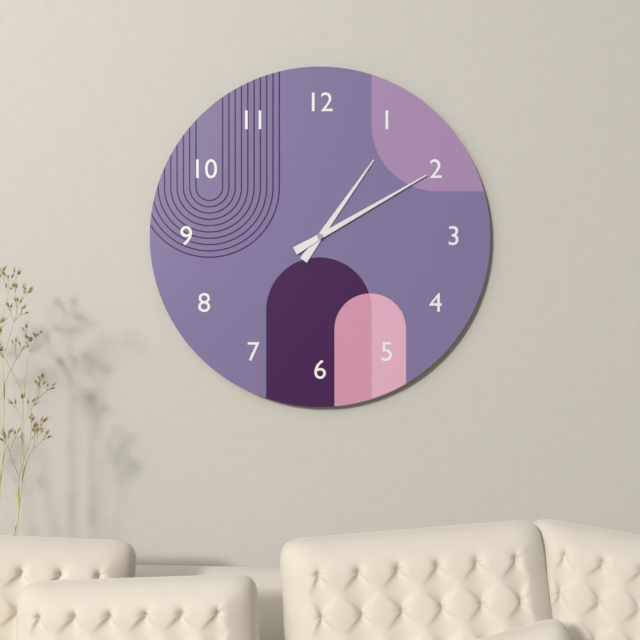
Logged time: 1.10
